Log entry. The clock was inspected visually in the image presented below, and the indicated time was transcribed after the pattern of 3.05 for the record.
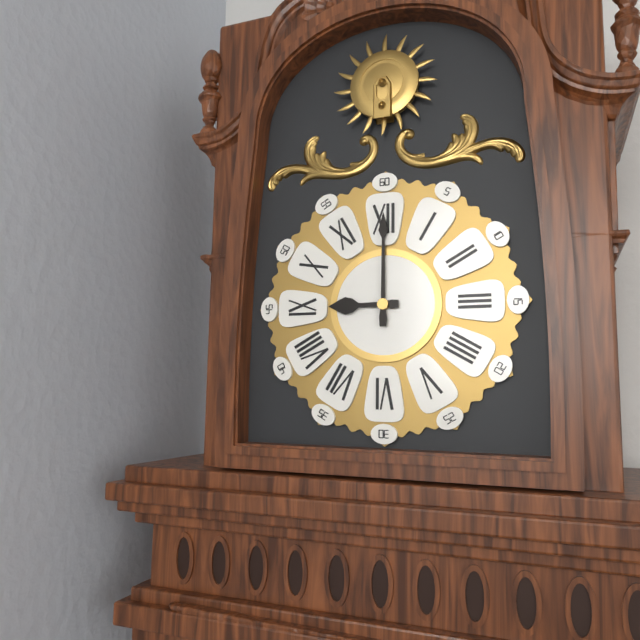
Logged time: 9.00
